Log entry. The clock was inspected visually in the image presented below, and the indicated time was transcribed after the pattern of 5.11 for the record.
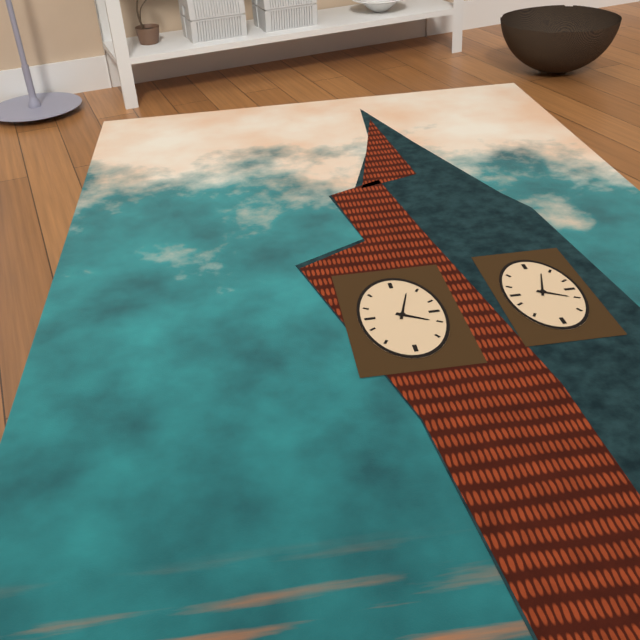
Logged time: 4.03
